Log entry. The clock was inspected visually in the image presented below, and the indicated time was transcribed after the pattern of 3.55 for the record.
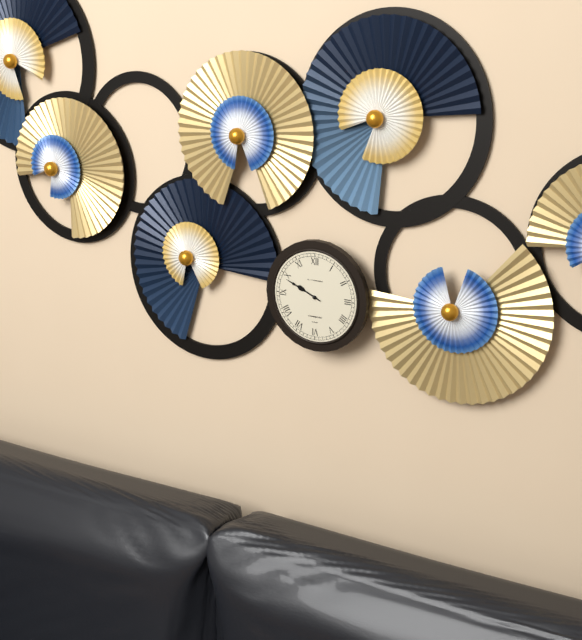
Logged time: 9.49
